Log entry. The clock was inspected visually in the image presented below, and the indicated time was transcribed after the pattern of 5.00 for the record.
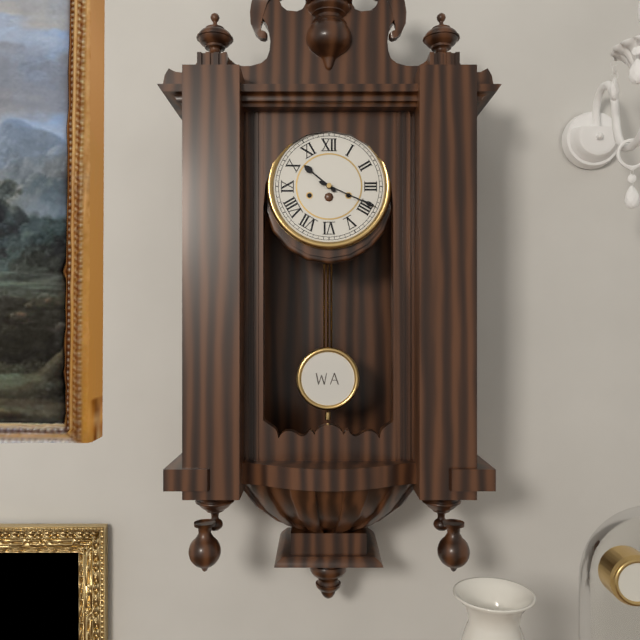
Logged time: 10.19
